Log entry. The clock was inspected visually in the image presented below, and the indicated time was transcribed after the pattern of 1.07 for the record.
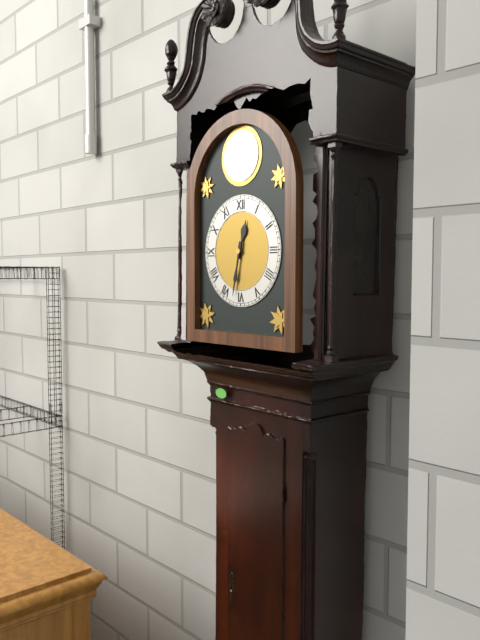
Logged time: 12.32
